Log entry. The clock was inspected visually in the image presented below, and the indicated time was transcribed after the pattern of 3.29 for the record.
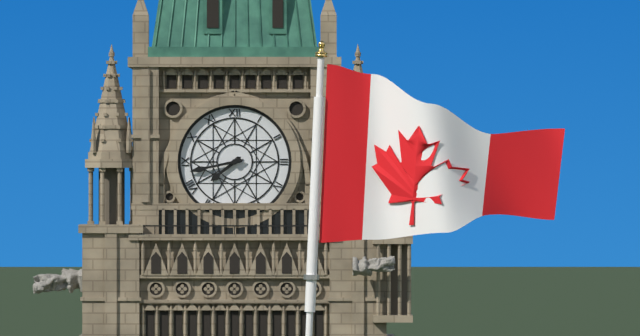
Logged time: 7.43
